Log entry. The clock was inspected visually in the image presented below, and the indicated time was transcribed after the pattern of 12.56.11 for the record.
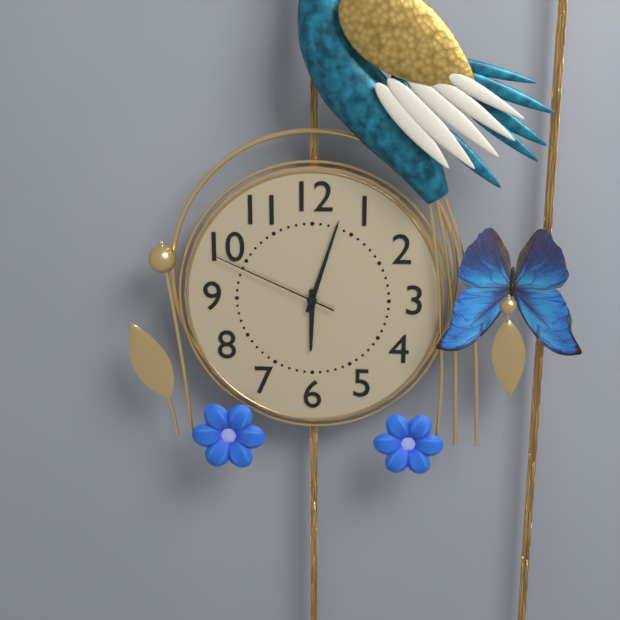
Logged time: 6.03.49
